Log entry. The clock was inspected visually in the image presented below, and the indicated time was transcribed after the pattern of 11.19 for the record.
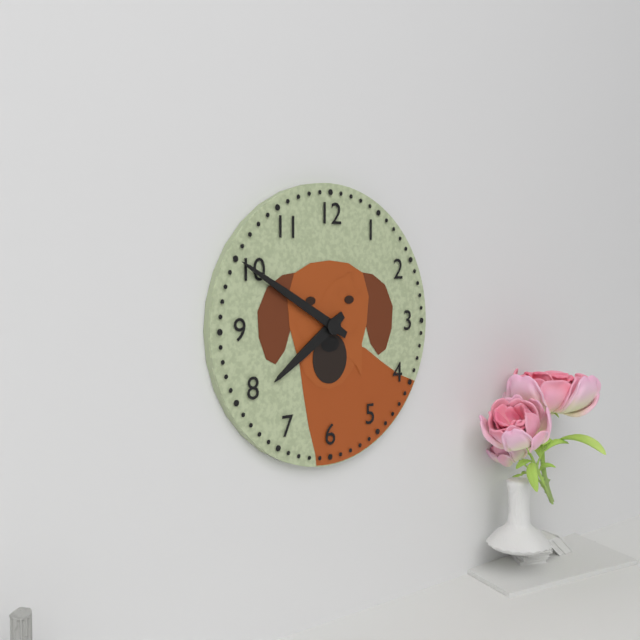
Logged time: 7.50
